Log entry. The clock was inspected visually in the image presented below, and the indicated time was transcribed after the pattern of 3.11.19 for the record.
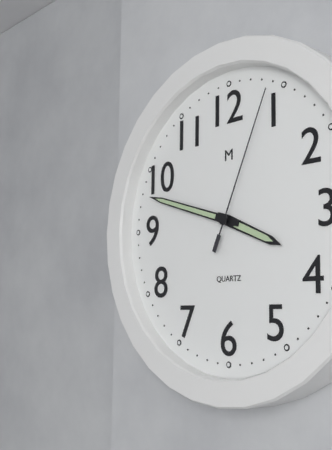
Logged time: 3.48.04
